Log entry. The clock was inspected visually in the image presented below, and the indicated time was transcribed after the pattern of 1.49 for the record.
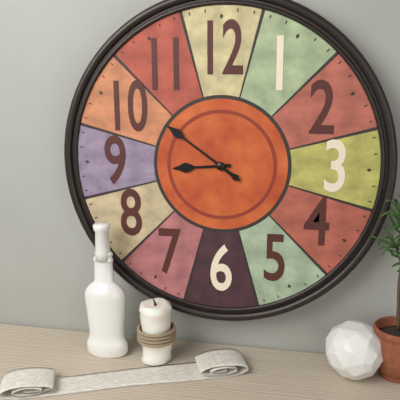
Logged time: 8.51
